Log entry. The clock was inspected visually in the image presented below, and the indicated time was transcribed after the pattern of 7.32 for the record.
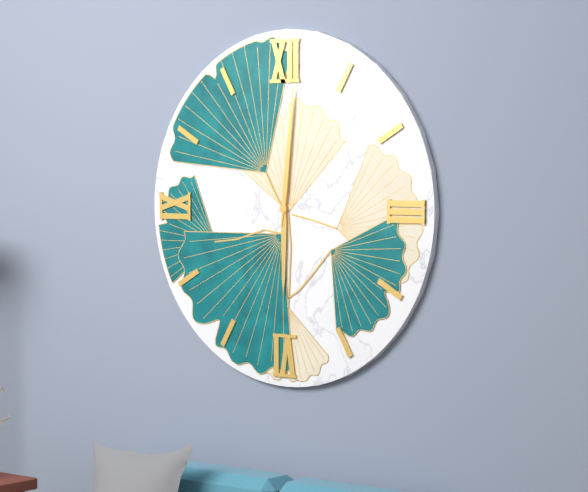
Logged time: 6.01
